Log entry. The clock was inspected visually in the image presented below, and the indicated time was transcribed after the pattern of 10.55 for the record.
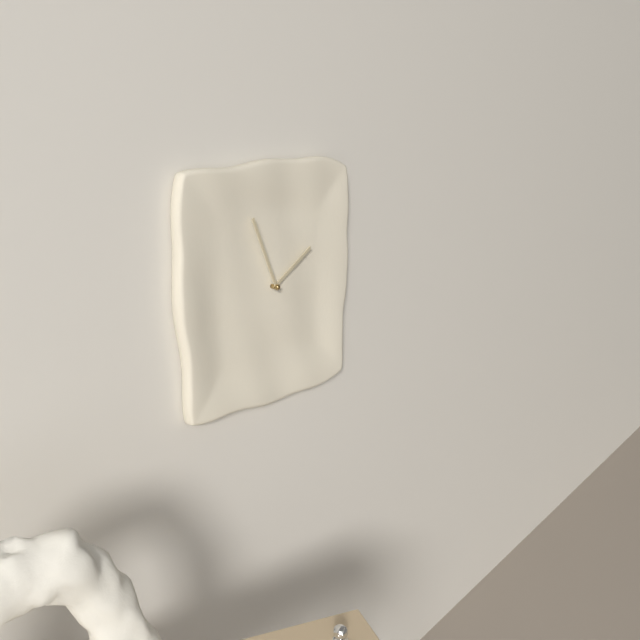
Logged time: 1.56
